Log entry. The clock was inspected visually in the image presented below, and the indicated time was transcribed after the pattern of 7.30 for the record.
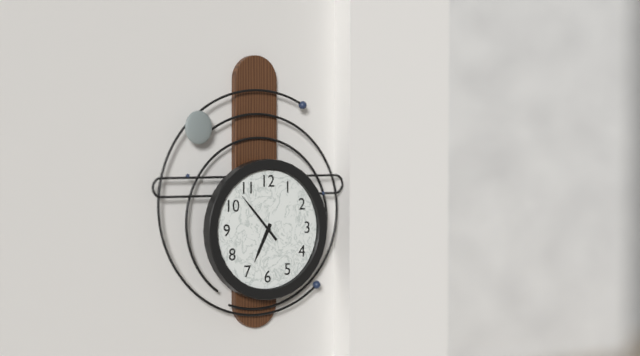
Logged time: 6.53
